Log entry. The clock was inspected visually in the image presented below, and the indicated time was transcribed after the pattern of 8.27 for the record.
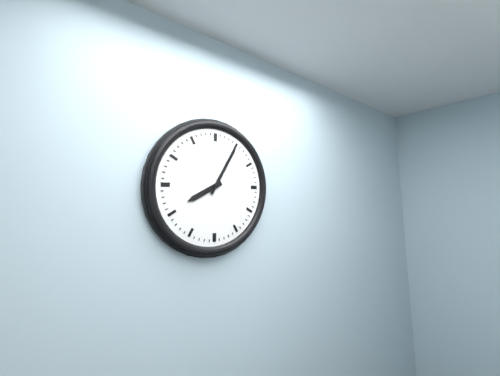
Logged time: 8.05
